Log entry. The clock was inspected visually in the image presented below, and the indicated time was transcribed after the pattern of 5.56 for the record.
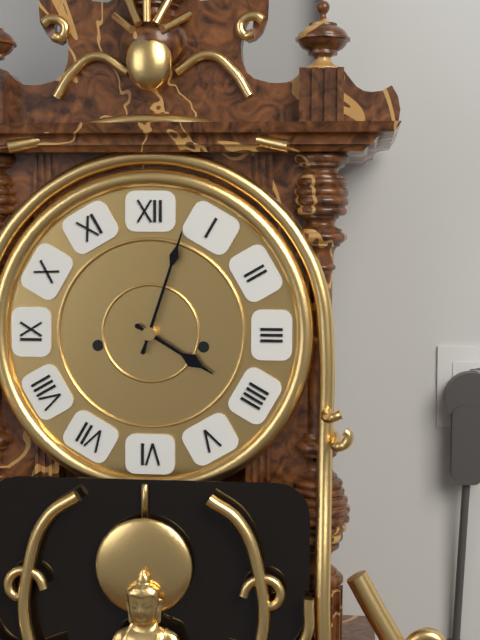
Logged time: 4.03
